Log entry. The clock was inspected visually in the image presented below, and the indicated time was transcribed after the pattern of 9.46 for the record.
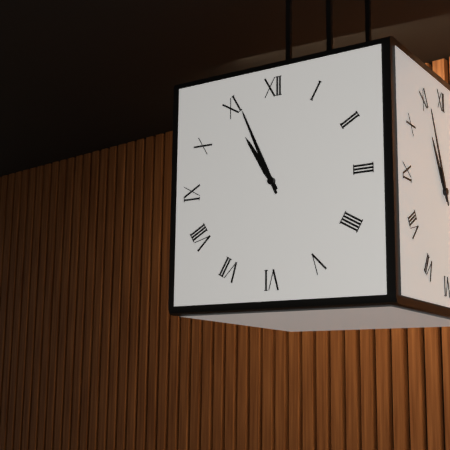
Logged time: 10.56
